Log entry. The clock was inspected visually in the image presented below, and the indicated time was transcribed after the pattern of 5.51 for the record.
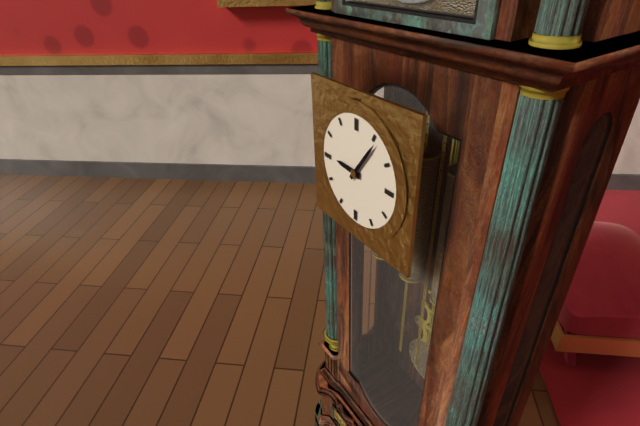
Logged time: 9.06
